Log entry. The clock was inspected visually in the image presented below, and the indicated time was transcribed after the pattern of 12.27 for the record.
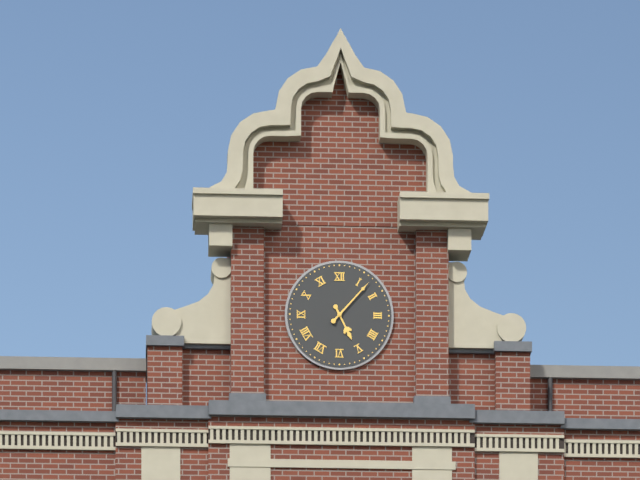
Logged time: 5.07
